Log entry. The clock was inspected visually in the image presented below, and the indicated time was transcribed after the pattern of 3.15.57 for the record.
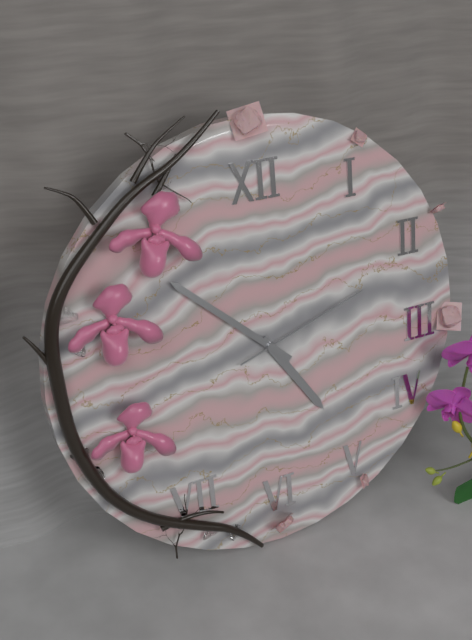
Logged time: 4.52.12
